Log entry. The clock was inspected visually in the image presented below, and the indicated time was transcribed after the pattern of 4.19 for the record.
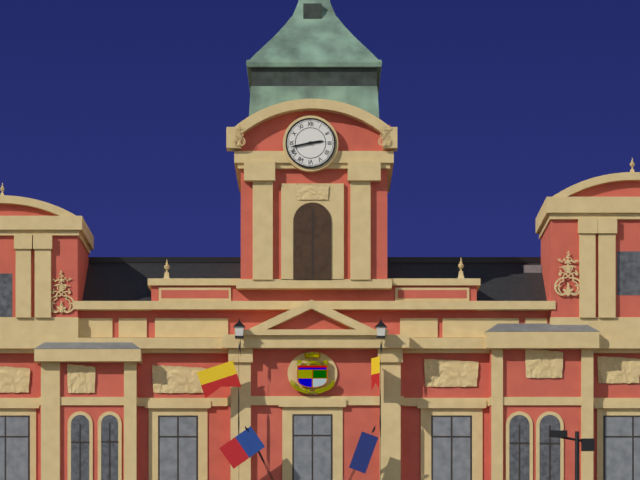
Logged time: 2.43
